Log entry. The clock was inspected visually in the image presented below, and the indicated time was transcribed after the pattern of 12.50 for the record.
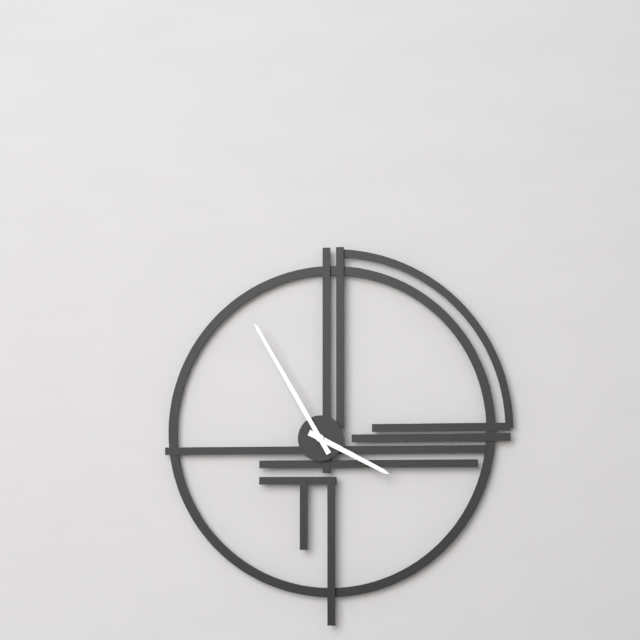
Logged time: 3.55
